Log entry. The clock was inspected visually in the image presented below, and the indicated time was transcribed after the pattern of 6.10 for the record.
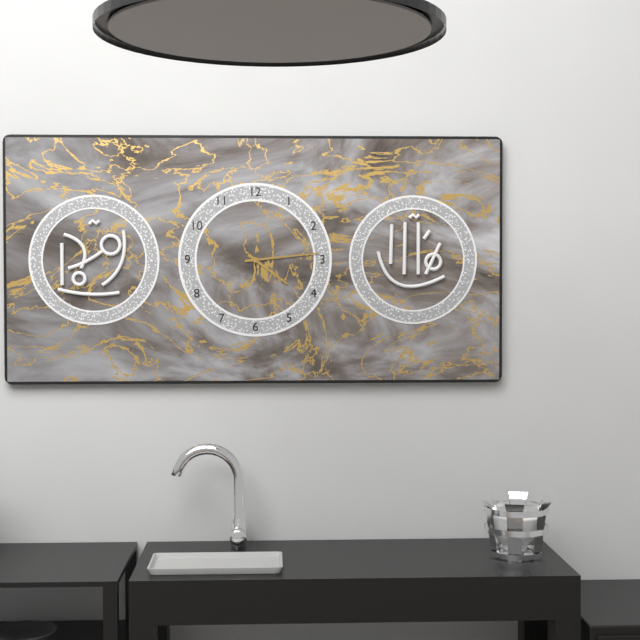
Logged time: 4.14
